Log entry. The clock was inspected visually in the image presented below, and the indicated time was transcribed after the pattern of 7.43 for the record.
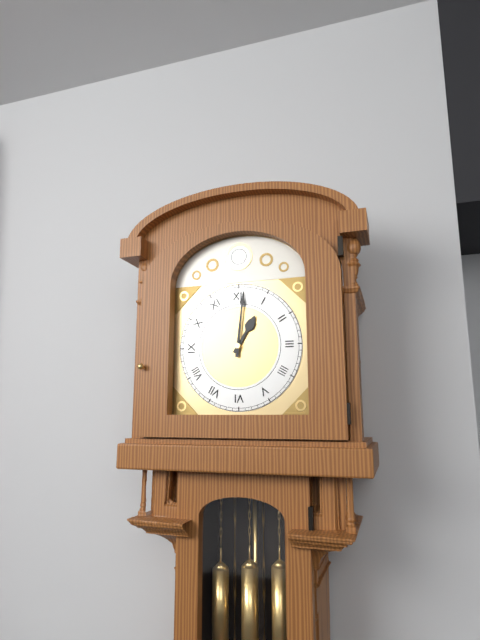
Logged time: 1.01
